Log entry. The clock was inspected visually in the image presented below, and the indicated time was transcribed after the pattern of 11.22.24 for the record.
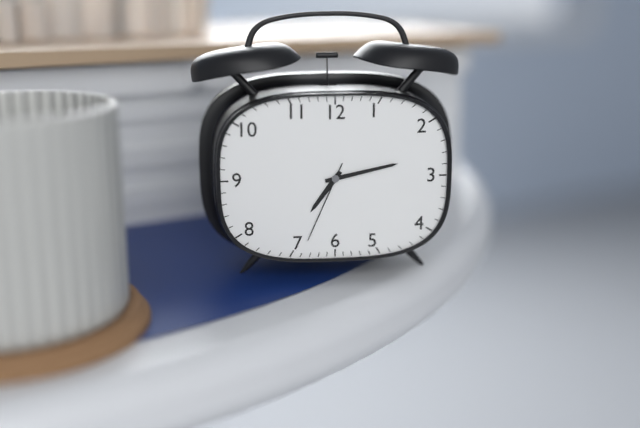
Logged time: 7.13.34
